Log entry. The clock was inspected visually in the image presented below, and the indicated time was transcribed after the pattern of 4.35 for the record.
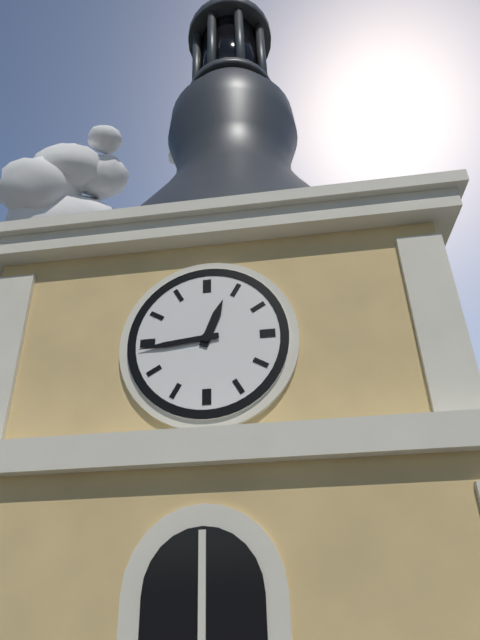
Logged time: 12.44
